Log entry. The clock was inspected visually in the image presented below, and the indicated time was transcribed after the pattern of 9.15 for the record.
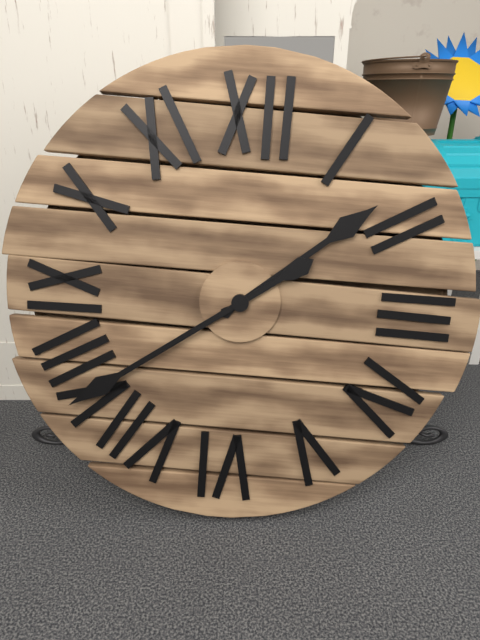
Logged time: 1.39
